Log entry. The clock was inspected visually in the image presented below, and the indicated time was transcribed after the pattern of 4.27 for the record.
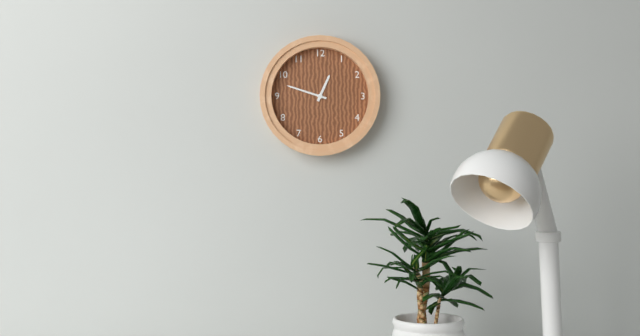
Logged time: 12.48
